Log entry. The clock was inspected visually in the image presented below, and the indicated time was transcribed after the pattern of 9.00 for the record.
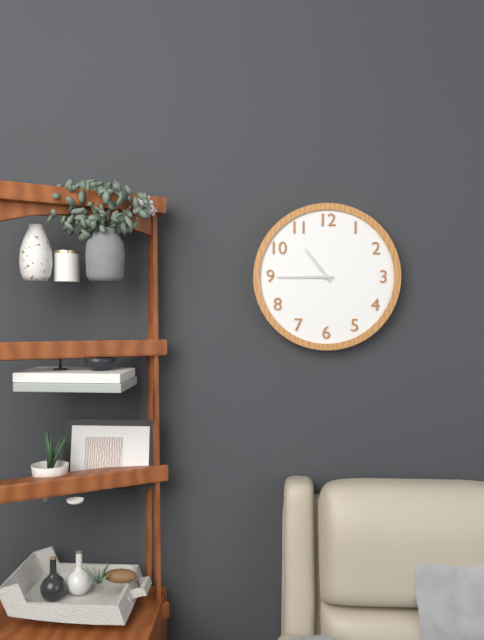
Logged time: 10.45
